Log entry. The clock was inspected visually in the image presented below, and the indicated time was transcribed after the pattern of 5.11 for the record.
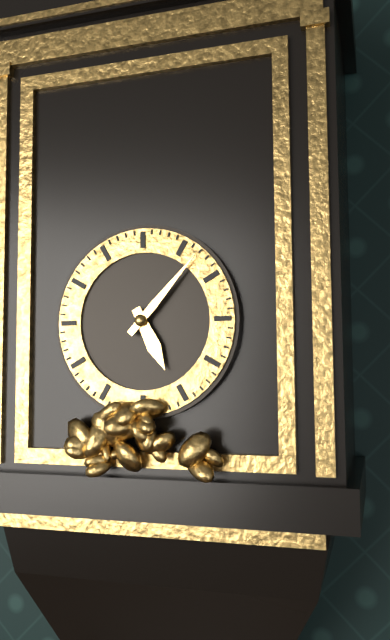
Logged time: 5.07
